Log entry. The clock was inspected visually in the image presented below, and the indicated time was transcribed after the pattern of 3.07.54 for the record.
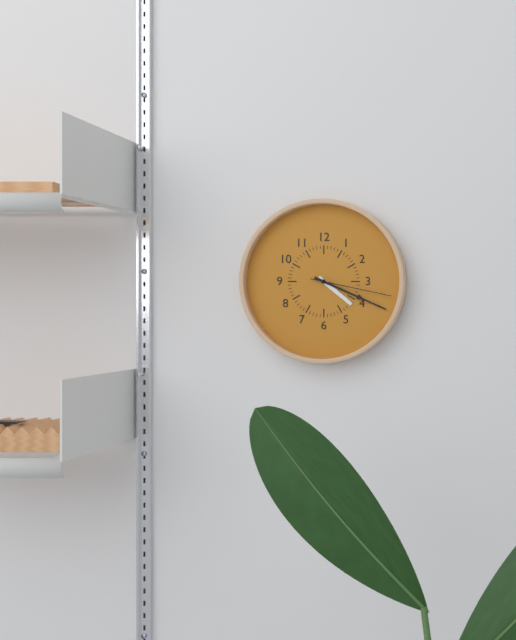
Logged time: 4.19.17
